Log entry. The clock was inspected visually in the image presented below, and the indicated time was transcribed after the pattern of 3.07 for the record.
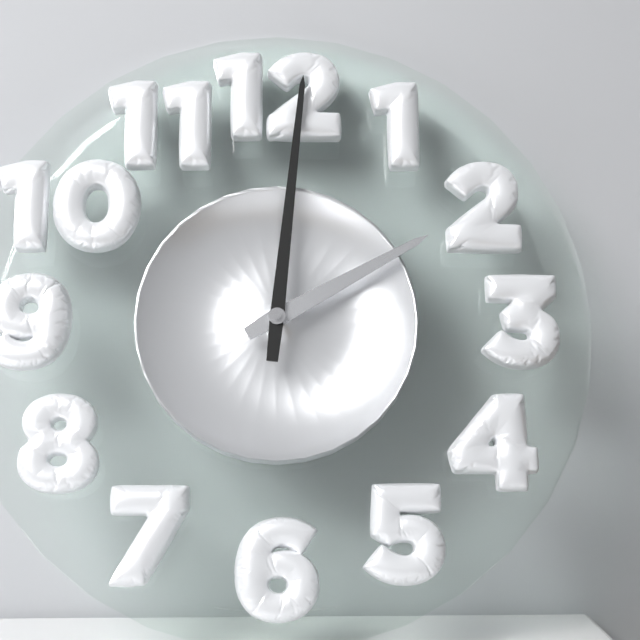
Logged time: 2.01
